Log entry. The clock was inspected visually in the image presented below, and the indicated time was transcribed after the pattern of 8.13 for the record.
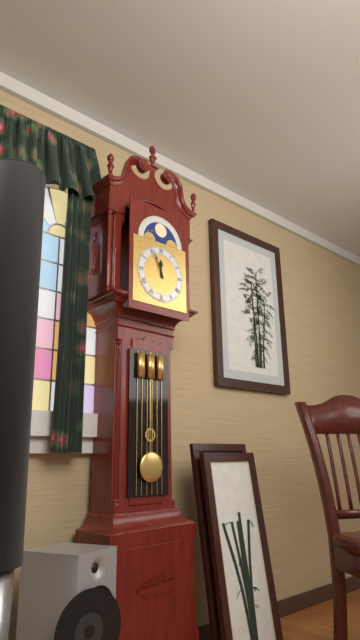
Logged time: 11.56
